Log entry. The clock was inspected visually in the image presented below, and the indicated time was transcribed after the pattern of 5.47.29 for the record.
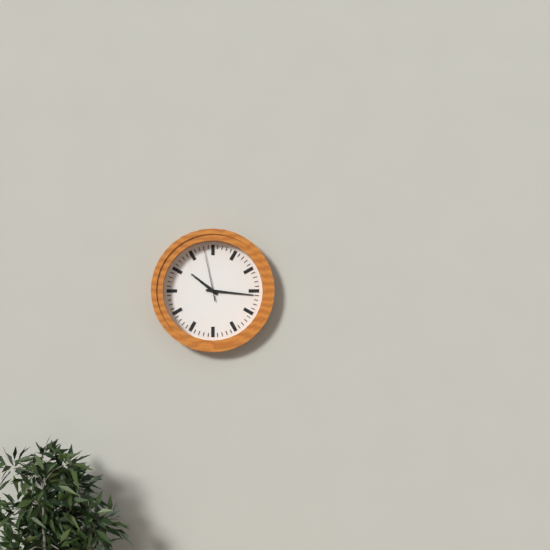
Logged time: 10.16.58
